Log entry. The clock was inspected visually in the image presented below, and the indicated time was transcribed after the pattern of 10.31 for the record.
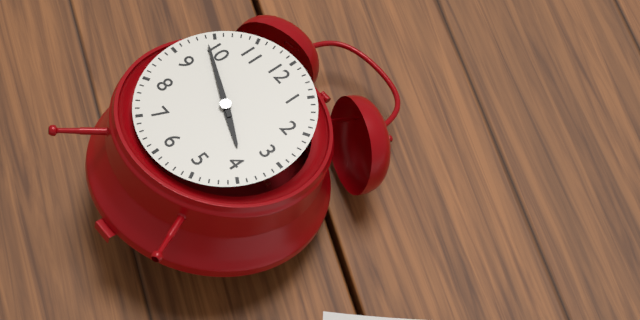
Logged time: 3.49
